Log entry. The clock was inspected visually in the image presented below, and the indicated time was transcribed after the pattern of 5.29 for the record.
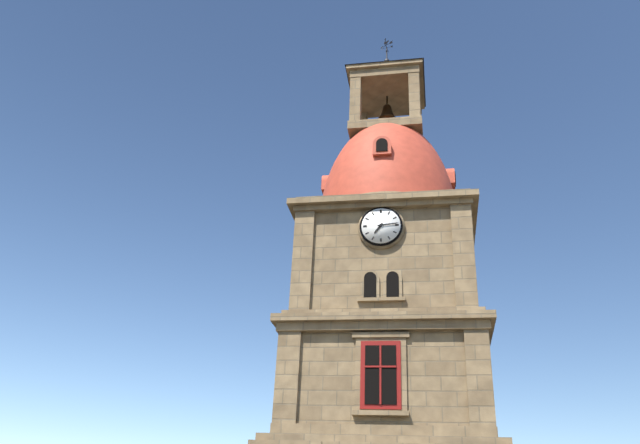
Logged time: 7.14
